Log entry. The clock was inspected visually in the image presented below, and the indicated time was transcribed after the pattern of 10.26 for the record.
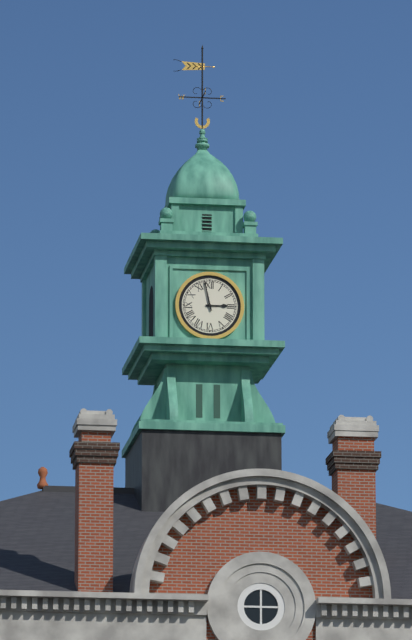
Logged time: 2.58
